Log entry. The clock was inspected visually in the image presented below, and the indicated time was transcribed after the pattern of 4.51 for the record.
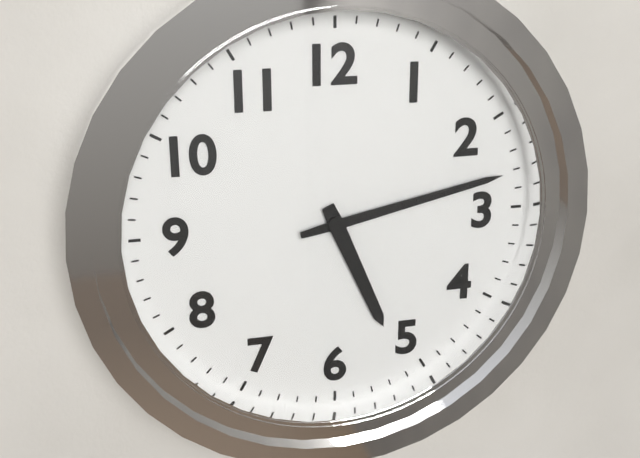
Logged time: 5.13
